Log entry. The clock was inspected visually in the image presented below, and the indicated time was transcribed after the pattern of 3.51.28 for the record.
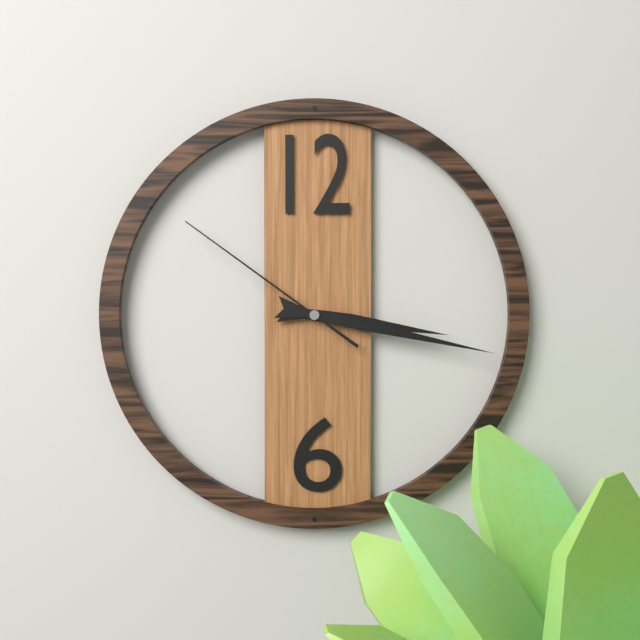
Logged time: 3.17.51
